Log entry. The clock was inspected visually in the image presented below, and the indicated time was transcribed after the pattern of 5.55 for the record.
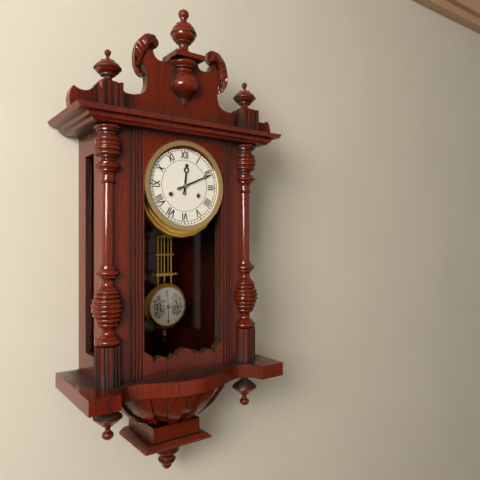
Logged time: 12.11
